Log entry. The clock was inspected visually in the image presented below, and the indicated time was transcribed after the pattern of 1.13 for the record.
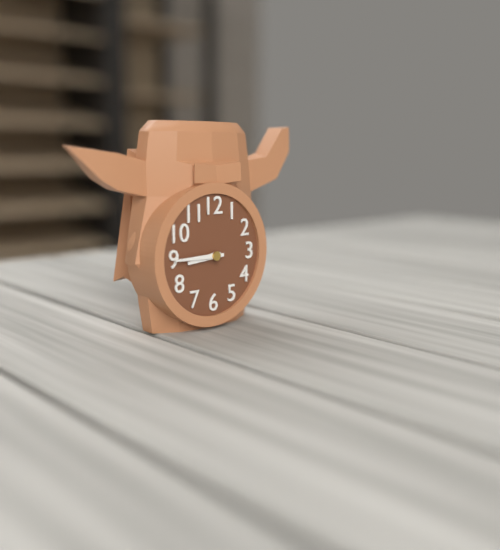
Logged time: 8.45
